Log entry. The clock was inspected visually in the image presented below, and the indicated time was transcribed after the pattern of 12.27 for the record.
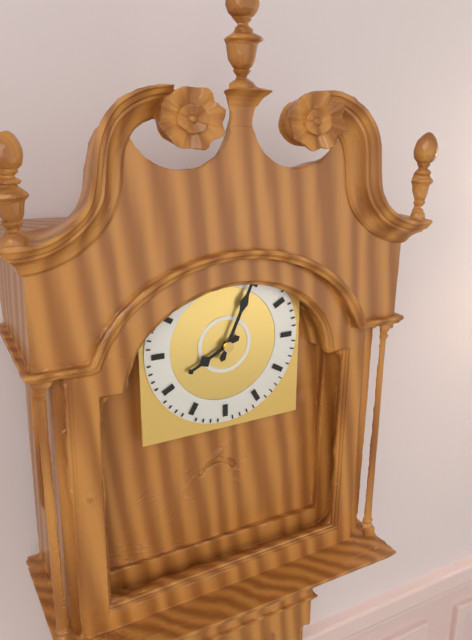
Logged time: 8.04
